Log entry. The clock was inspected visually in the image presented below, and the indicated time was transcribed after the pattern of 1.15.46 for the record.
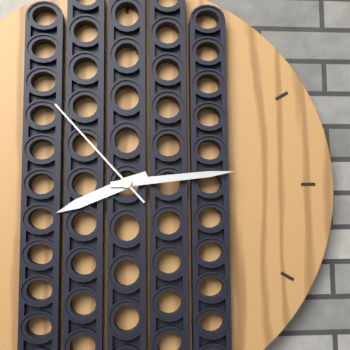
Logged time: 8.14.53
